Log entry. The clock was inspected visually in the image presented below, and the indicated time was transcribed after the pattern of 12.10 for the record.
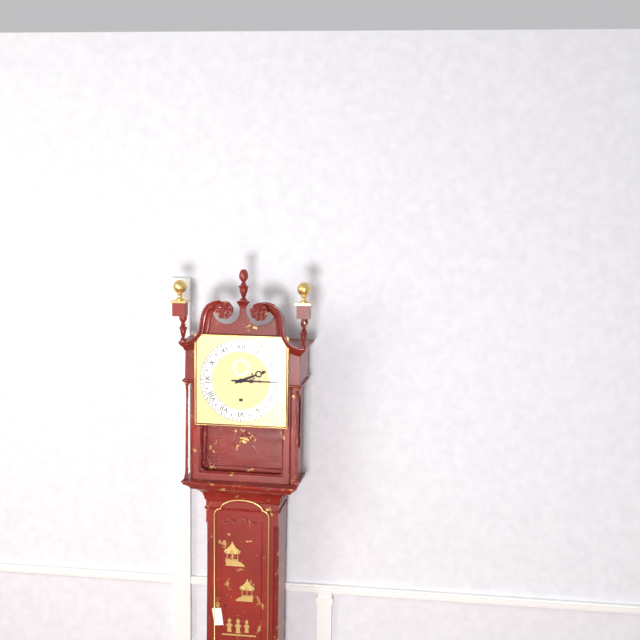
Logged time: 2.15
